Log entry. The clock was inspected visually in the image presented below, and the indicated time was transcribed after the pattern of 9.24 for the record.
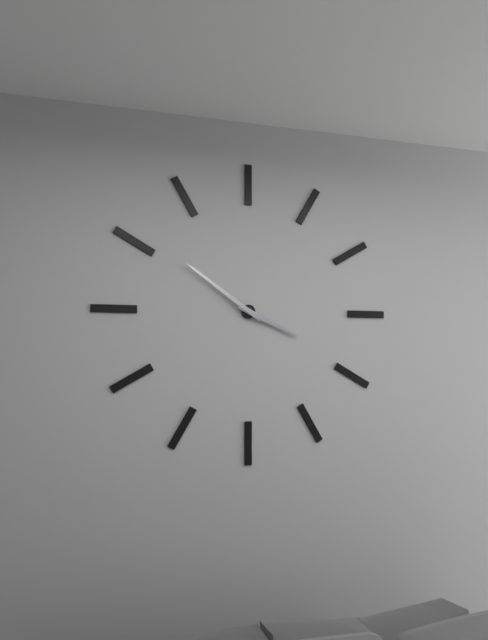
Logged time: 3.51
